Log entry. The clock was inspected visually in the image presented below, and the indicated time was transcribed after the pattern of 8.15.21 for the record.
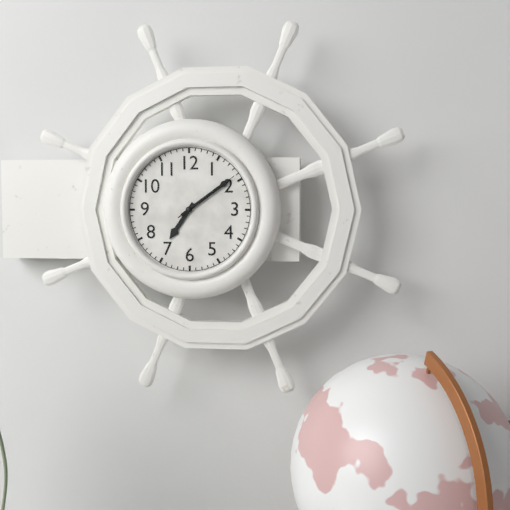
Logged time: 7.09.09
